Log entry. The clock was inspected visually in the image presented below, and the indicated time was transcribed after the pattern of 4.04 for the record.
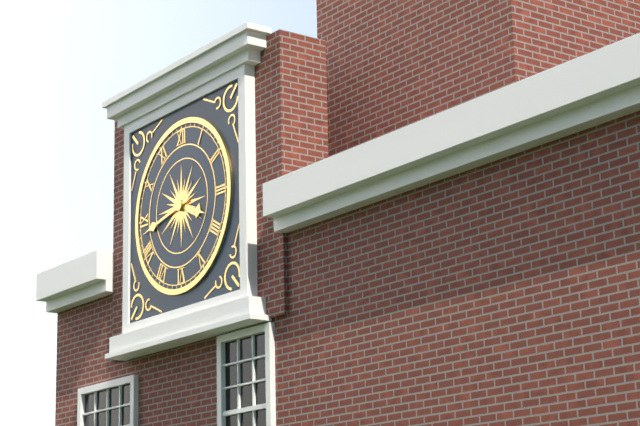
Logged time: 3.43
